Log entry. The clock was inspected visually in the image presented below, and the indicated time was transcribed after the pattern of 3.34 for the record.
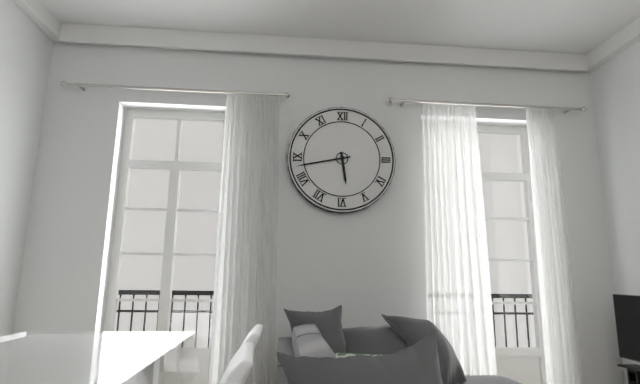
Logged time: 5.43
